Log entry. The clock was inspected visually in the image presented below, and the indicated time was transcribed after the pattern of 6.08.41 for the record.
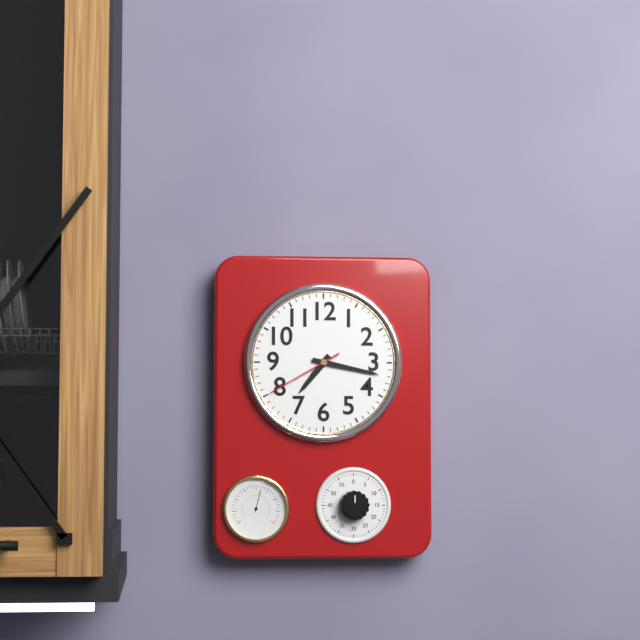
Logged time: 7.17.40
